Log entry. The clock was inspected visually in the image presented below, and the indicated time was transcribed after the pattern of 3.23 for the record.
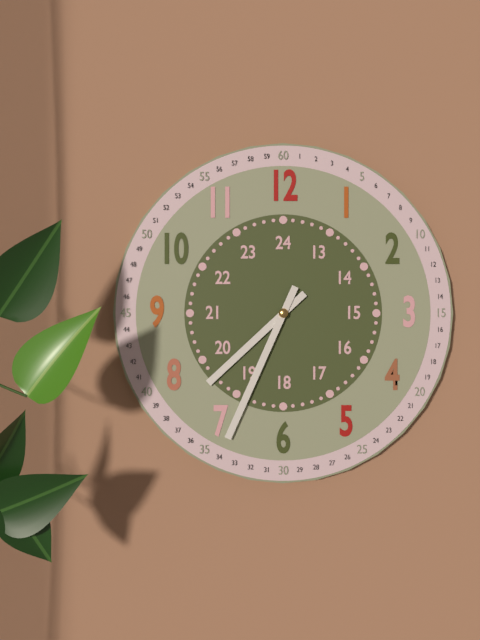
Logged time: 7.34
